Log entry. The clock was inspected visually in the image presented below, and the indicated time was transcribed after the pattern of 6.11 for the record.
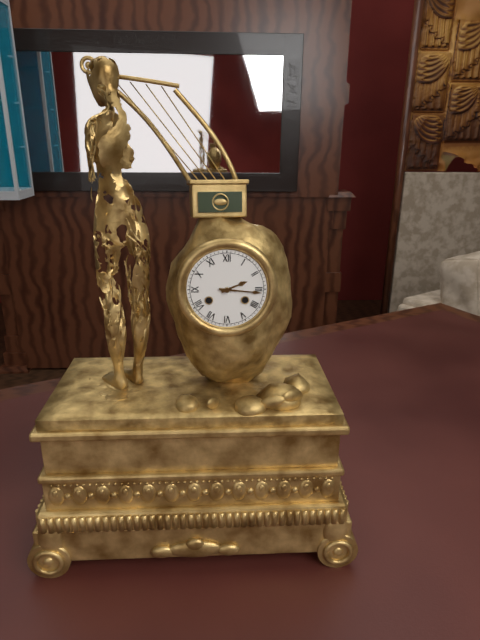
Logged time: 2.16
